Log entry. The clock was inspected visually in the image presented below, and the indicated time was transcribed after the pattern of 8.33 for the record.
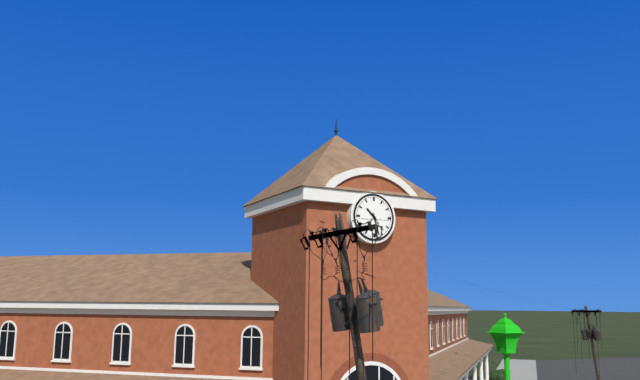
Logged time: 10.27
